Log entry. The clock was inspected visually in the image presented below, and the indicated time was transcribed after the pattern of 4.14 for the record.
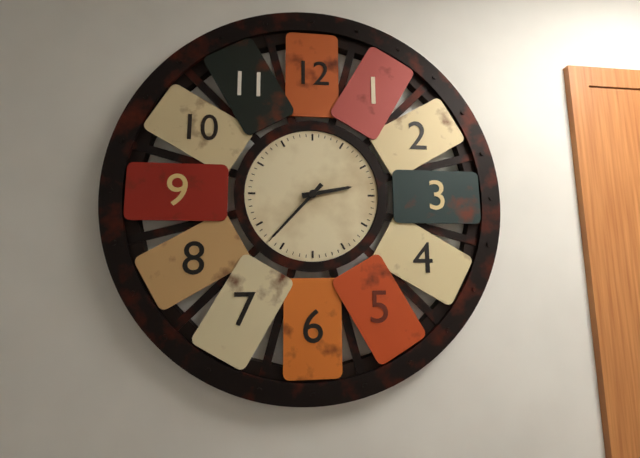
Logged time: 2.37
